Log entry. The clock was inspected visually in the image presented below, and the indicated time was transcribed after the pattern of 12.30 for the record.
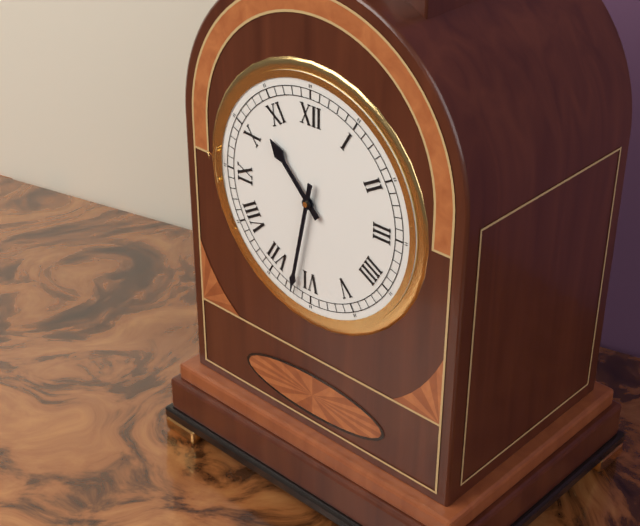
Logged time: 10.32
